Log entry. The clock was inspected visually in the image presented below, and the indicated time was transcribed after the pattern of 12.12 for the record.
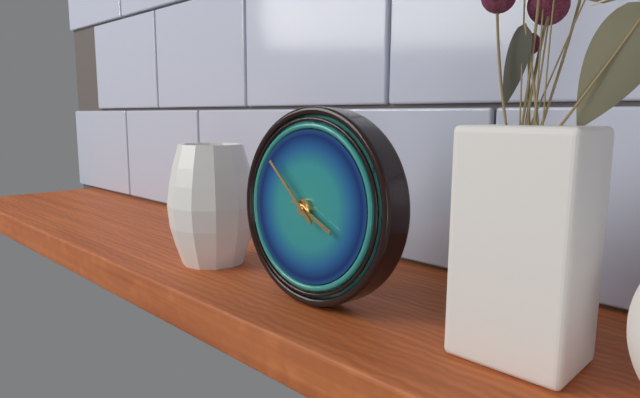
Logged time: 3.52
